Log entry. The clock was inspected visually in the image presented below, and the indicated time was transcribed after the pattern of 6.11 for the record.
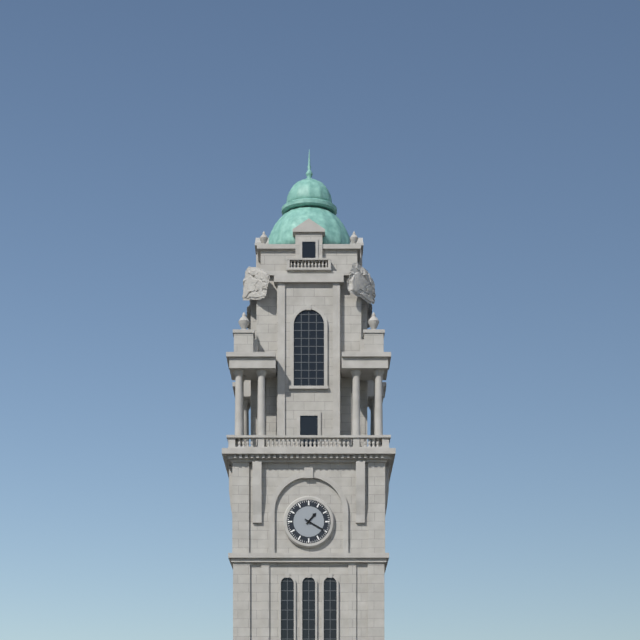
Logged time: 1.20
